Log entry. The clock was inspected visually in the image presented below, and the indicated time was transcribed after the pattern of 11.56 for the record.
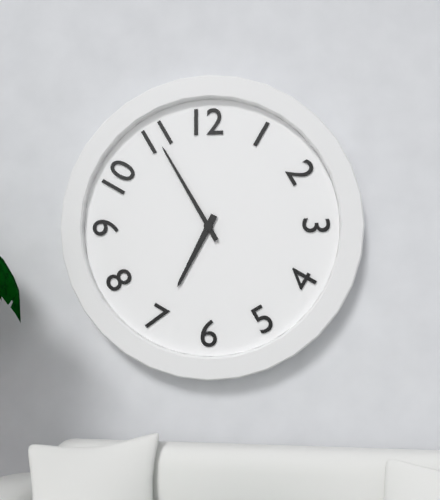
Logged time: 6.55
